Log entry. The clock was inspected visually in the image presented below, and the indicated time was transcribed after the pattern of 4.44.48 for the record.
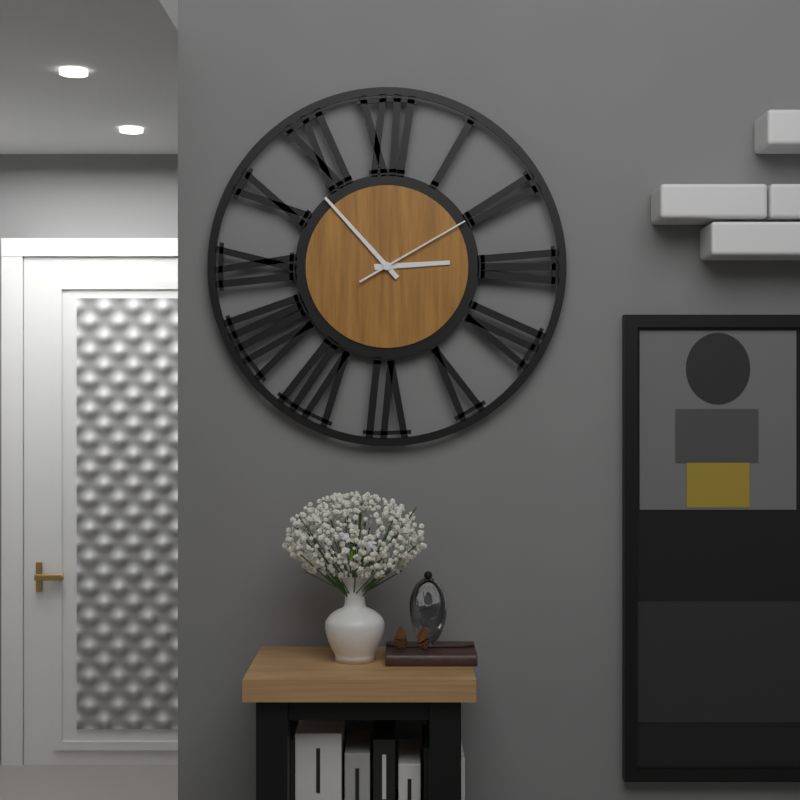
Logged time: 2.53.10
